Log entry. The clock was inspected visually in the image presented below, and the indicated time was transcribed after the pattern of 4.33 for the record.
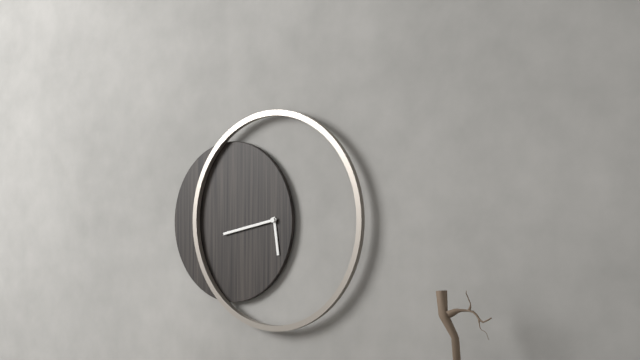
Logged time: 5.43
